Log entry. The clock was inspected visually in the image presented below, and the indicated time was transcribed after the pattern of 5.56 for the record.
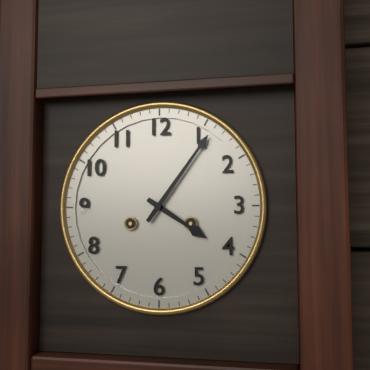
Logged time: 4.06
